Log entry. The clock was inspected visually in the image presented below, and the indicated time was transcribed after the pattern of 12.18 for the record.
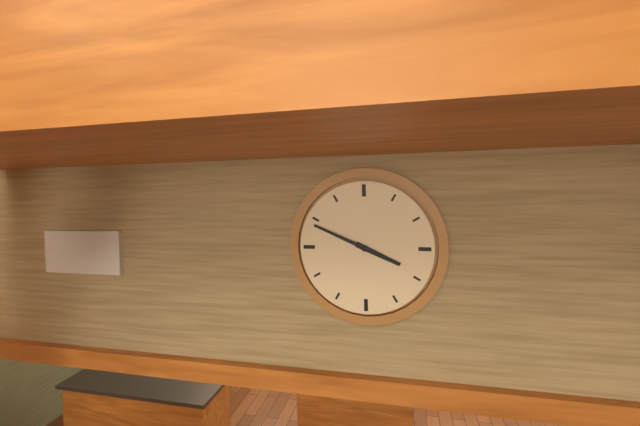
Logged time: 3.49
